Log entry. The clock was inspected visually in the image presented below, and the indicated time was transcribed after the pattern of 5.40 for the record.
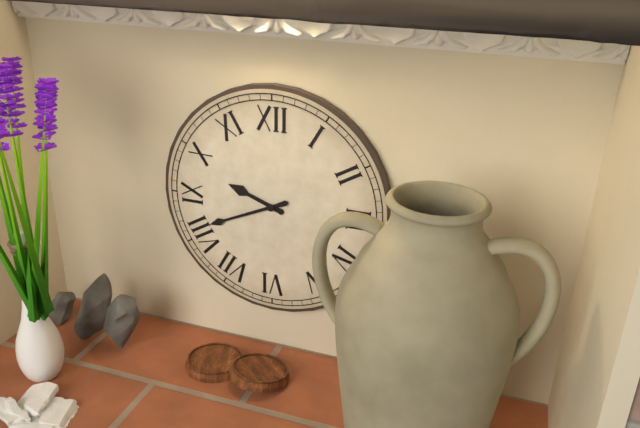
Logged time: 9.41
